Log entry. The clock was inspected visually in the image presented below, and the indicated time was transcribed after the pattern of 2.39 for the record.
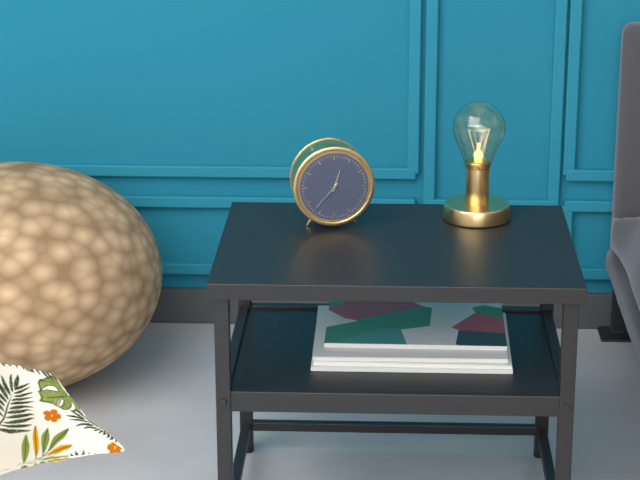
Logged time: 12.37
